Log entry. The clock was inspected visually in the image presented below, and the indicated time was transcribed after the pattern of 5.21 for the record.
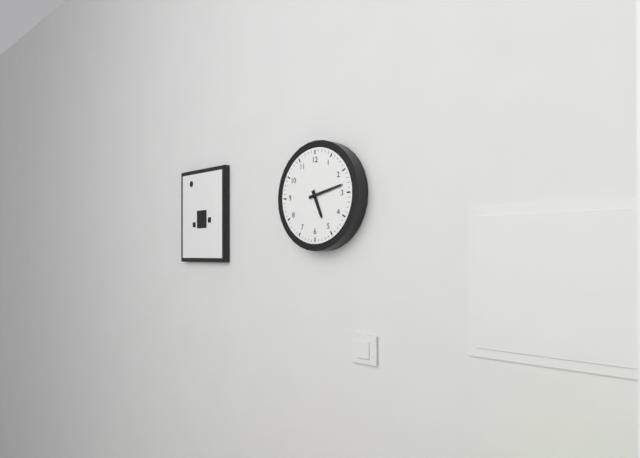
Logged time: 5.13
